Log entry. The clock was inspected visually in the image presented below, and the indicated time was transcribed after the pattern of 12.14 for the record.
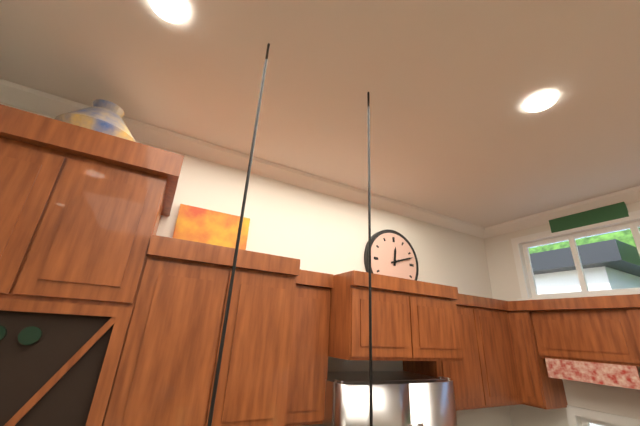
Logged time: 12.12
